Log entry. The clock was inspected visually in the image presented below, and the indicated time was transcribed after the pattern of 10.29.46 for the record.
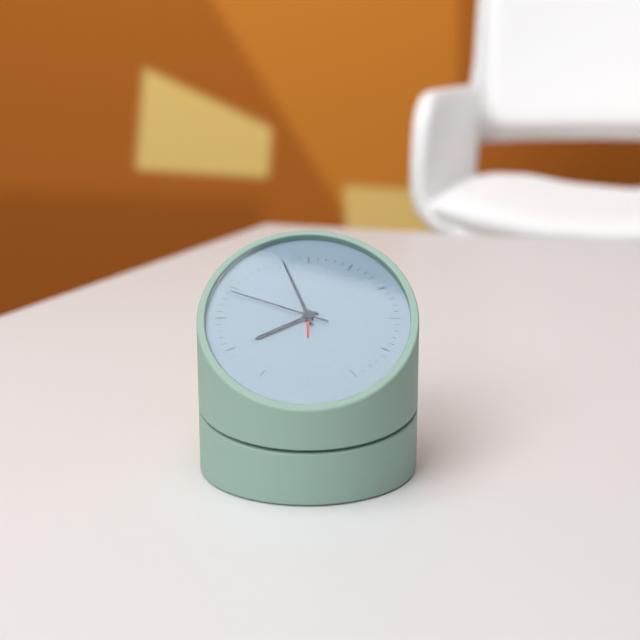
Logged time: 7.57.49
